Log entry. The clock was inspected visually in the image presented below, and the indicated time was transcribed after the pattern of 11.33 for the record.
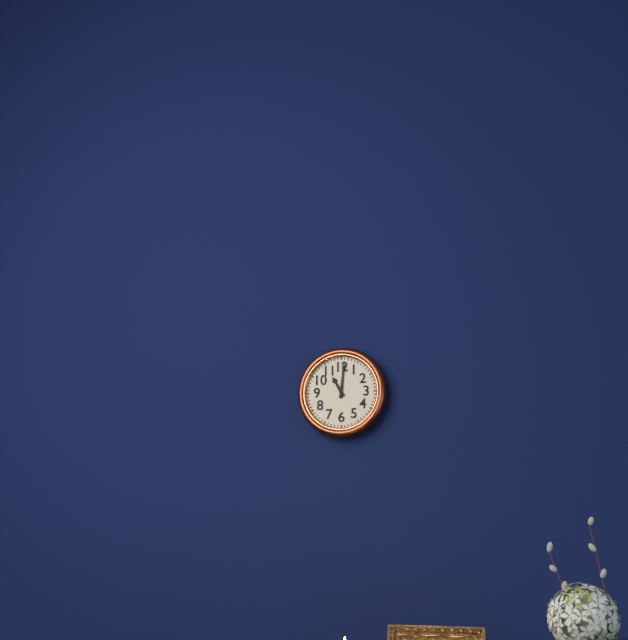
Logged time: 11.01
